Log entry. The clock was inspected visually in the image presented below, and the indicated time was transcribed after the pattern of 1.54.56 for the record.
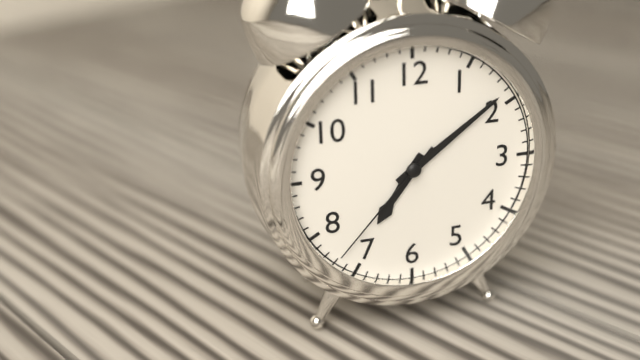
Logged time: 7.09.37
